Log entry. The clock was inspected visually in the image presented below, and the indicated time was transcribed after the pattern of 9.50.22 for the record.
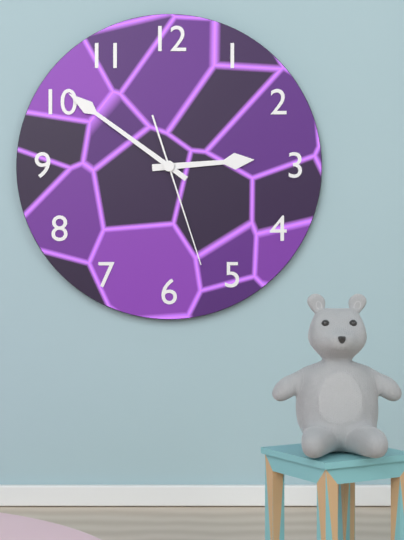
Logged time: 2.51.27
